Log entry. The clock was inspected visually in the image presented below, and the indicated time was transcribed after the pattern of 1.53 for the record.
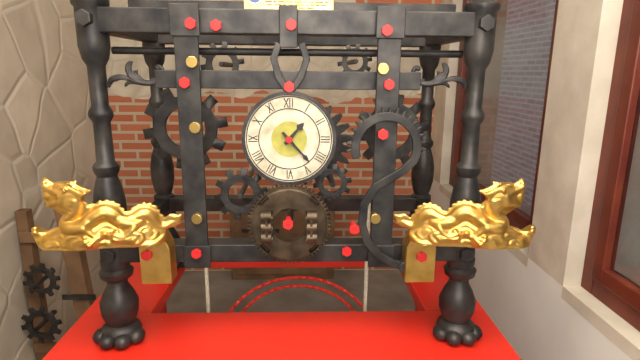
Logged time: 1.23
